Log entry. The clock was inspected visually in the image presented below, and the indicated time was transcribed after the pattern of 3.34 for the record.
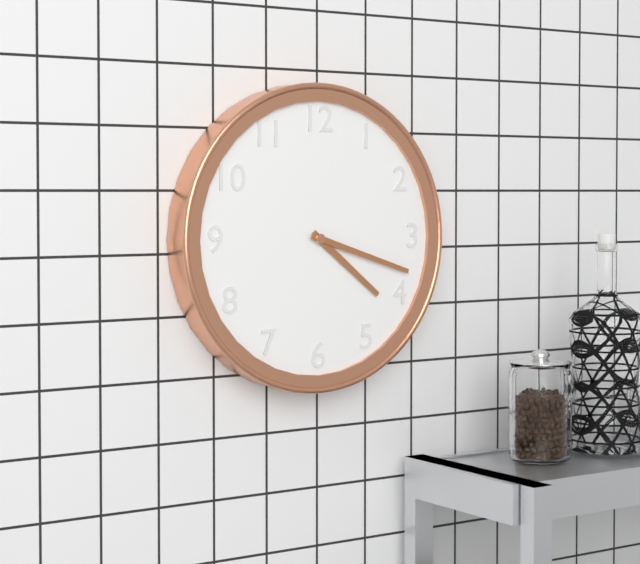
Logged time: 4.18
